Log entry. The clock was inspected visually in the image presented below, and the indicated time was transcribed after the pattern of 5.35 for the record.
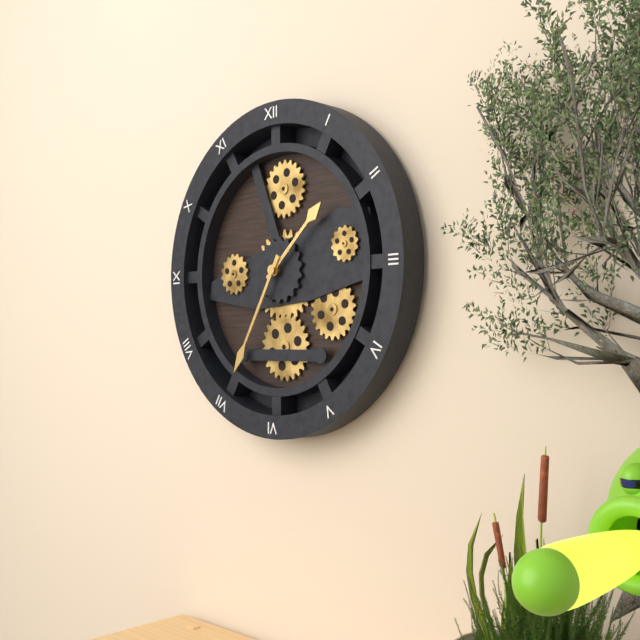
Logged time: 1.35
